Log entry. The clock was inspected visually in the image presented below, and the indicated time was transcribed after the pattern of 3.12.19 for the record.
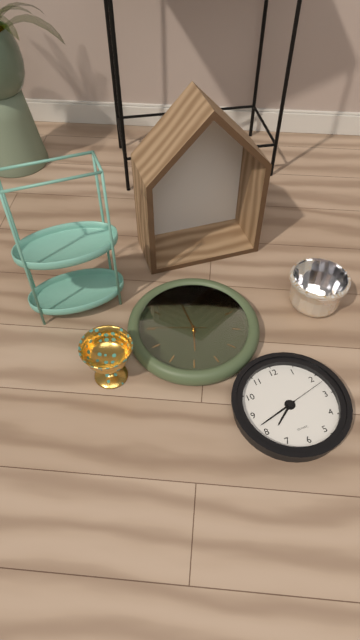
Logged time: 7.42.12
